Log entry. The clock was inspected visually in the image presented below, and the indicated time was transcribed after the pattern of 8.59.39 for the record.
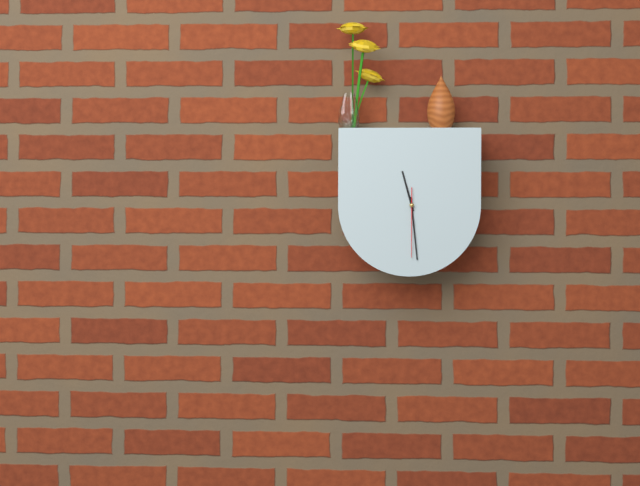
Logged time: 11.29.30
